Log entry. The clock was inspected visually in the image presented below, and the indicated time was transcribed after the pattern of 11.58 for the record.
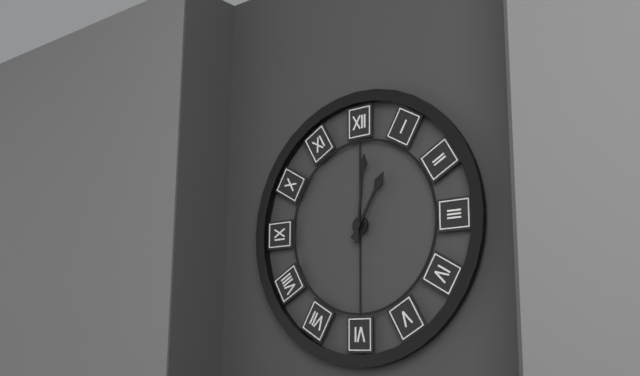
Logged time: 1.01
